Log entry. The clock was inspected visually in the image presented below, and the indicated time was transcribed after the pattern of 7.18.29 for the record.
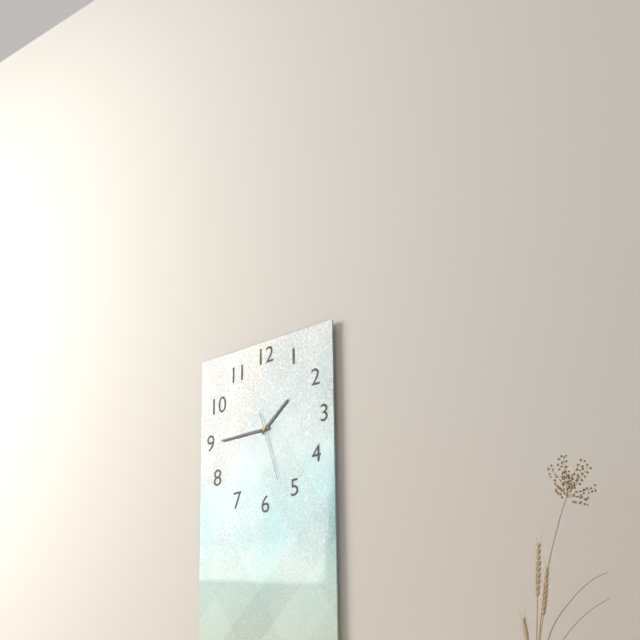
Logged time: 1.45.27
